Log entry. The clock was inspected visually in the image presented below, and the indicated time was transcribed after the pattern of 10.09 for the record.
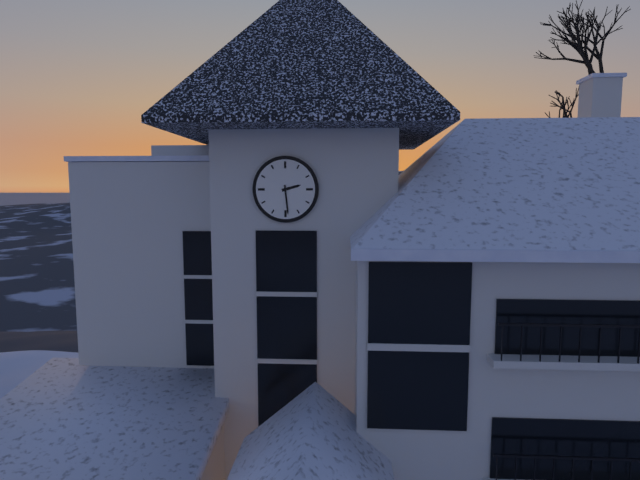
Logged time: 2.29
